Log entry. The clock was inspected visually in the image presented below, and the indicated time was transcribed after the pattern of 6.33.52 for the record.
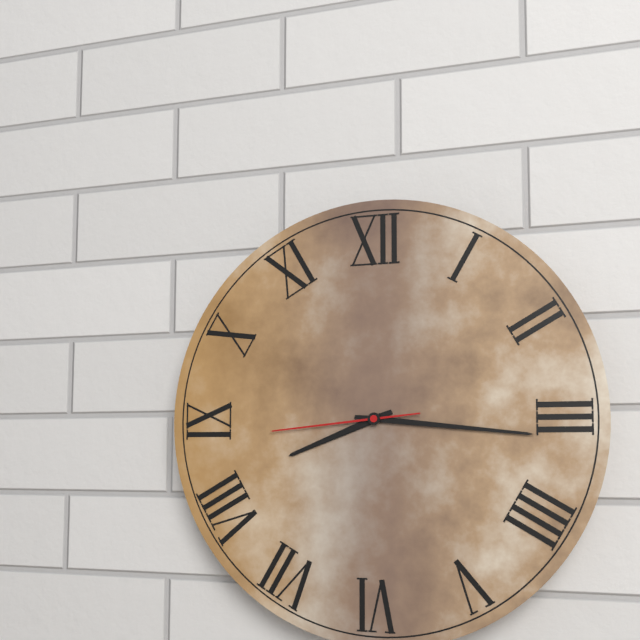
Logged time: 8.16.44
